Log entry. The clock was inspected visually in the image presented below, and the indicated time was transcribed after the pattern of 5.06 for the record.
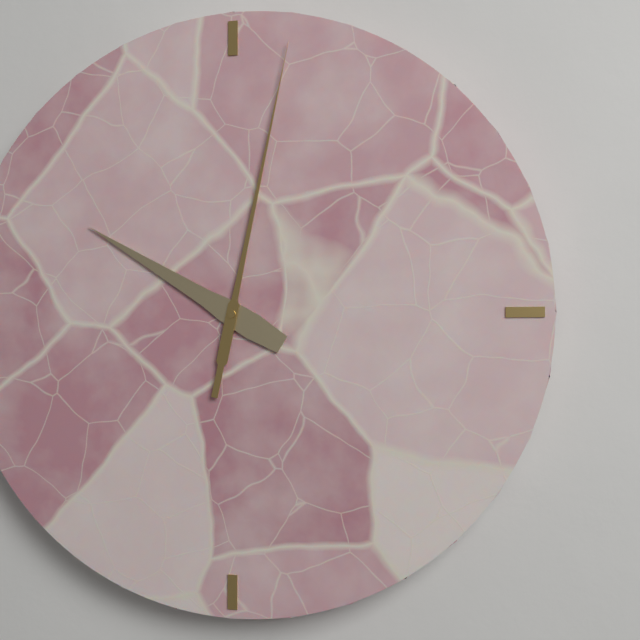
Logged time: 10.02
